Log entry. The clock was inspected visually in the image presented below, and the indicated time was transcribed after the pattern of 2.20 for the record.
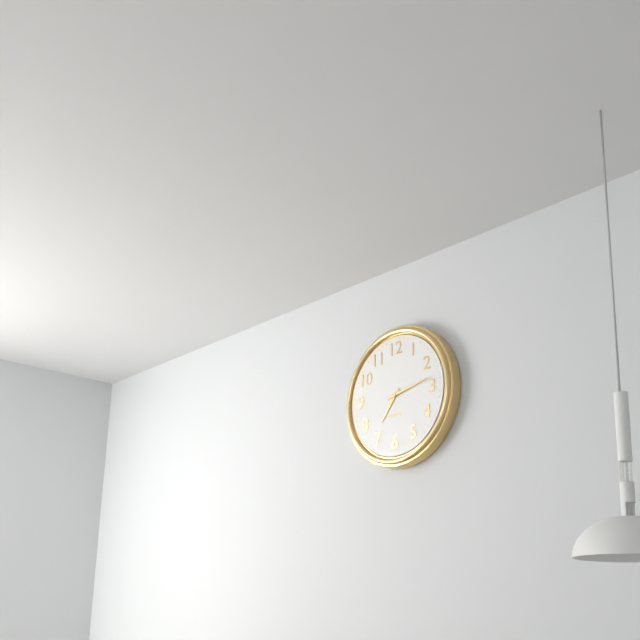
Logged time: 7.13
